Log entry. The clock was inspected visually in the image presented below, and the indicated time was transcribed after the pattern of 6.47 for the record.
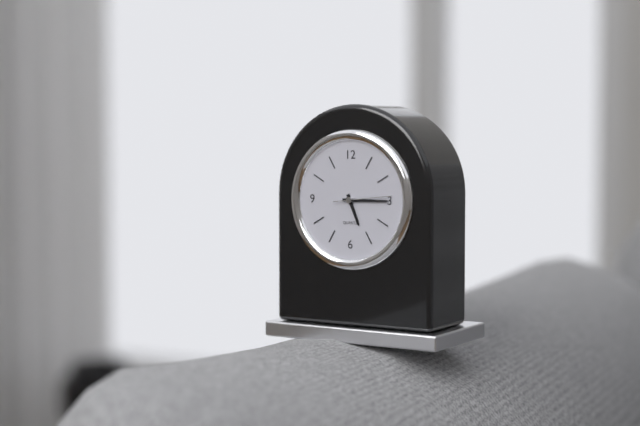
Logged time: 5.15
